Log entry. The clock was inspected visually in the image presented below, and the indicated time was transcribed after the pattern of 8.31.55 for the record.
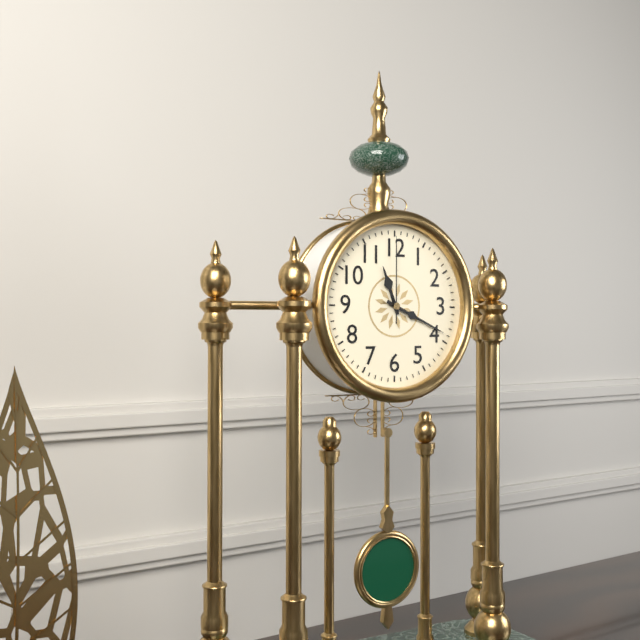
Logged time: 11.19.00
